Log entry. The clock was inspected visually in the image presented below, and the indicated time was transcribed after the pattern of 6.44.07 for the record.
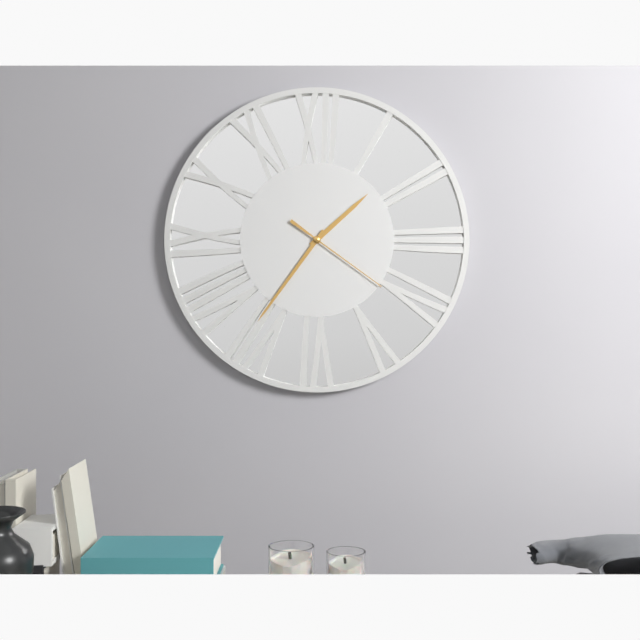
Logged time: 1.36.21
